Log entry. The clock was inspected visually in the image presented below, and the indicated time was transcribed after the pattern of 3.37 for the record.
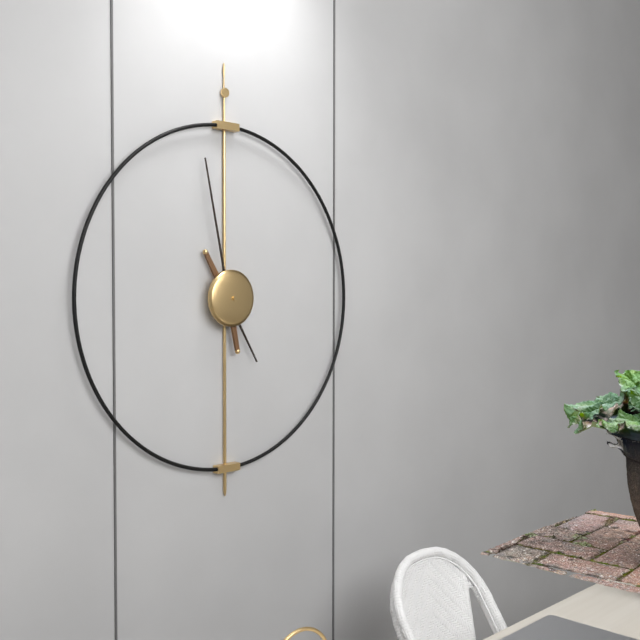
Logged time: 4.58
